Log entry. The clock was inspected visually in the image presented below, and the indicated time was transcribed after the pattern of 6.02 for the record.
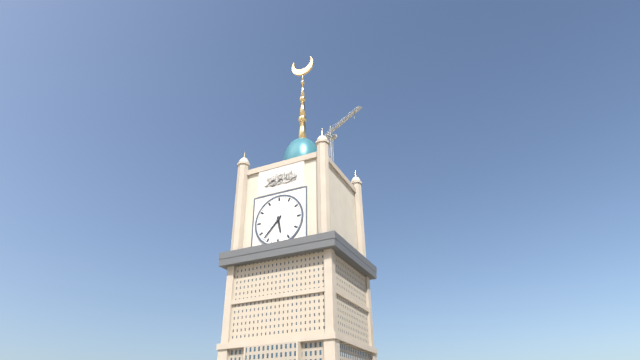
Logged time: 5.37
